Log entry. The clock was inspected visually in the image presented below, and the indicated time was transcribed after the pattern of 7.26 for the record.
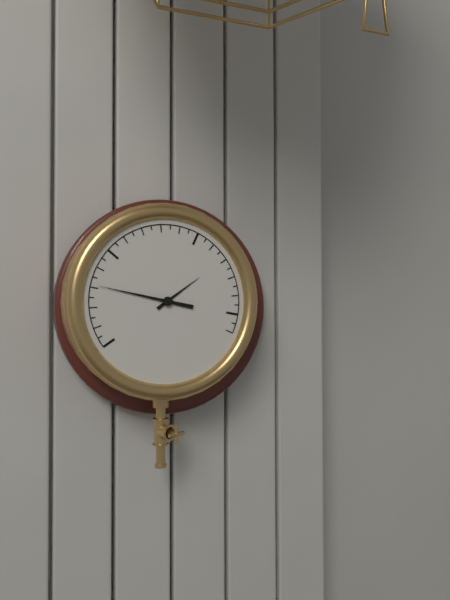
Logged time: 1.47
